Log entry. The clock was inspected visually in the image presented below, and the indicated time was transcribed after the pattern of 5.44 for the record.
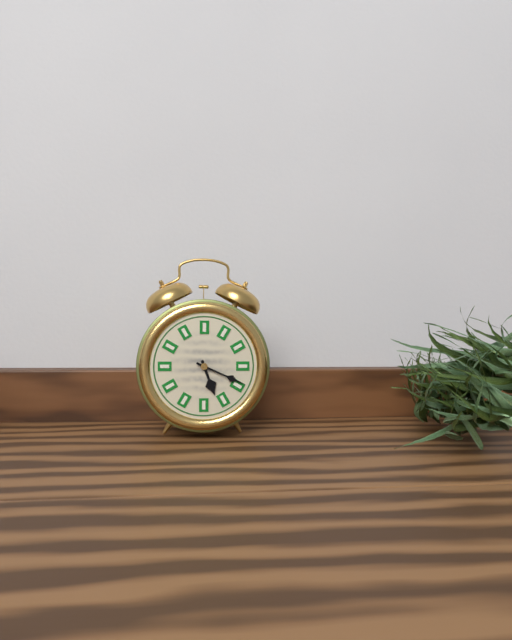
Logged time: 5.19
